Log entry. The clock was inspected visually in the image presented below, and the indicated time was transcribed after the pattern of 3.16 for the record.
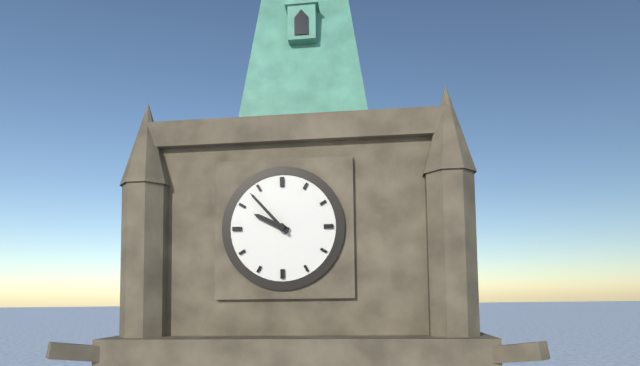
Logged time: 9.53
